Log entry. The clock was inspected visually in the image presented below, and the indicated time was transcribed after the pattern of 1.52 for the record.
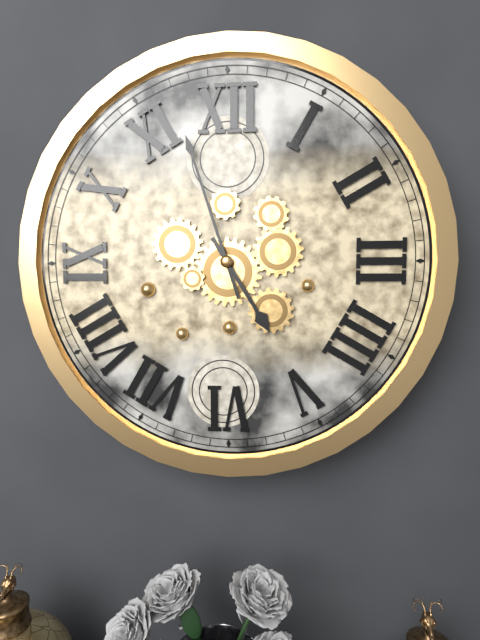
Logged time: 4.57
